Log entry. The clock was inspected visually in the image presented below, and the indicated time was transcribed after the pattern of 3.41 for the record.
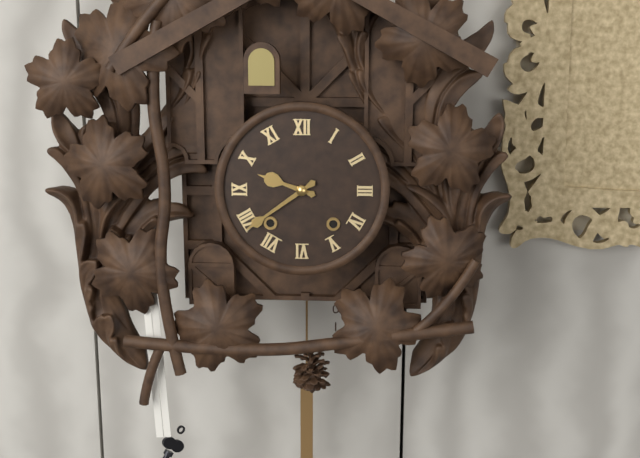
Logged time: 9.39
